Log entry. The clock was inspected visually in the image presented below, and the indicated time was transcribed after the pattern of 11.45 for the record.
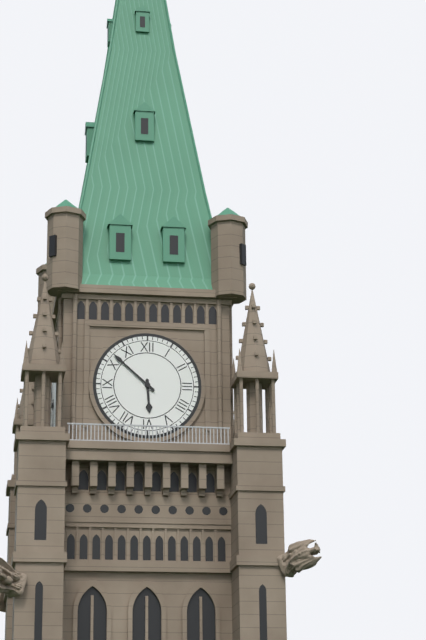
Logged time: 5.52
